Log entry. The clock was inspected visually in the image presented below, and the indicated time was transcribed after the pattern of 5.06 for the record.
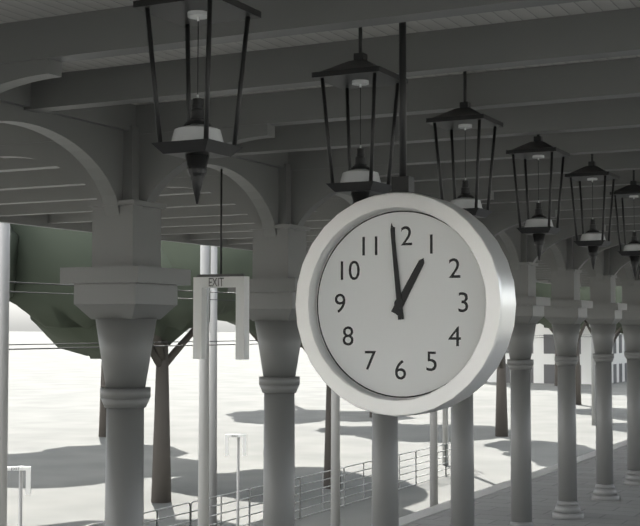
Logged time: 12.59
